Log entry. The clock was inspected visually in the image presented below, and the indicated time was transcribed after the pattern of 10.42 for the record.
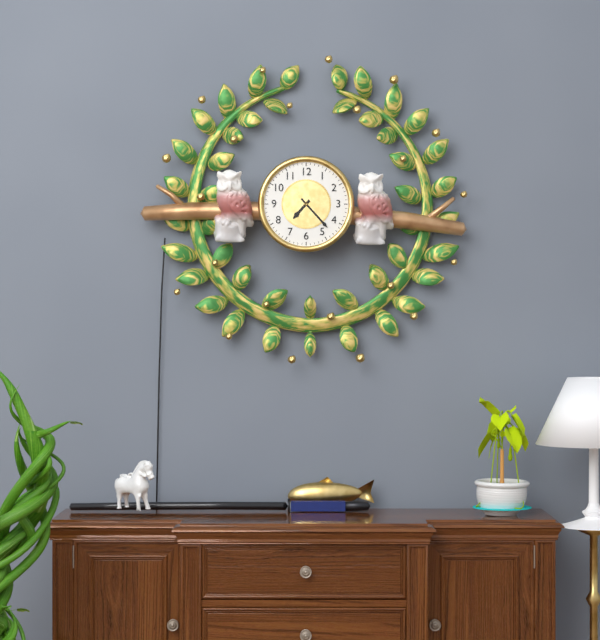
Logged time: 7.23
